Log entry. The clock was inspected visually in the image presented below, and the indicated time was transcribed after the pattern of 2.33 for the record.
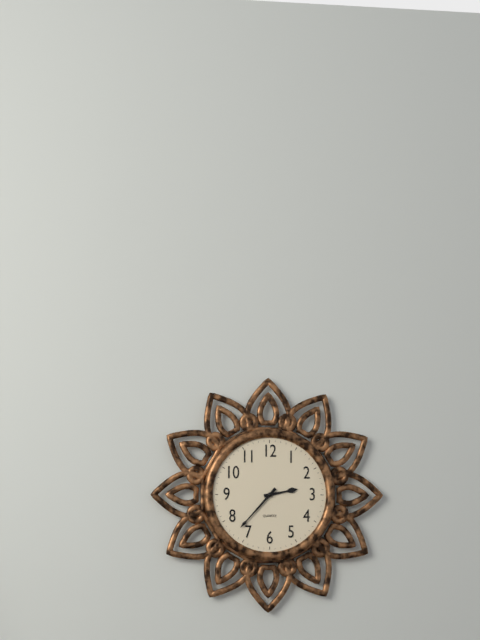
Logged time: 2.37
